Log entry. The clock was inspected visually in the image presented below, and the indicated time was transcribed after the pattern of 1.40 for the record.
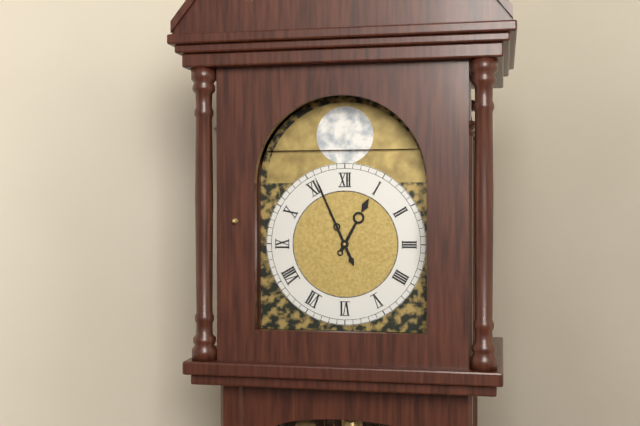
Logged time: 12.56
